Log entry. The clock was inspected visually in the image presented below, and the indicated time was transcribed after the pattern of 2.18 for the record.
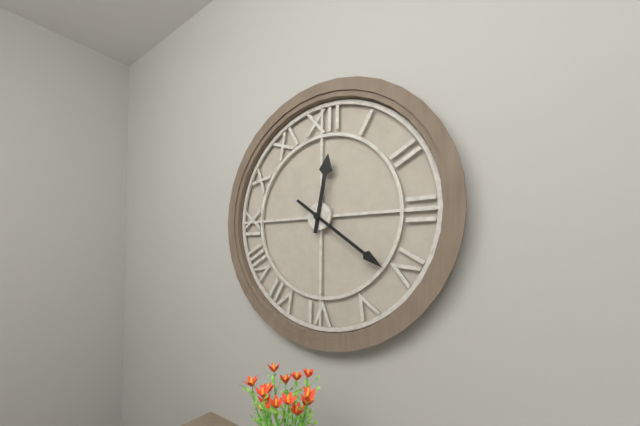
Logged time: 12.21
